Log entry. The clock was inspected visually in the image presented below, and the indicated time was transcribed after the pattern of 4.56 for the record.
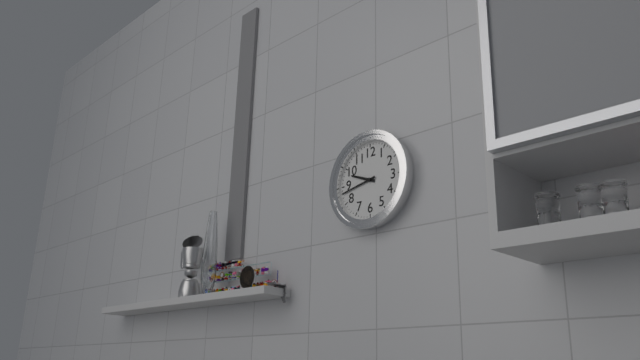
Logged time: 9.43
